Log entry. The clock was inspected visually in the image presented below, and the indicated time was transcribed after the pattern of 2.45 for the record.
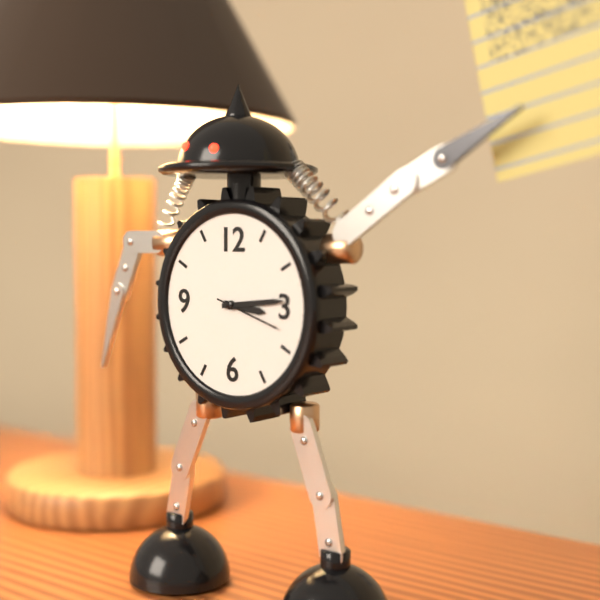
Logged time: 3.14
